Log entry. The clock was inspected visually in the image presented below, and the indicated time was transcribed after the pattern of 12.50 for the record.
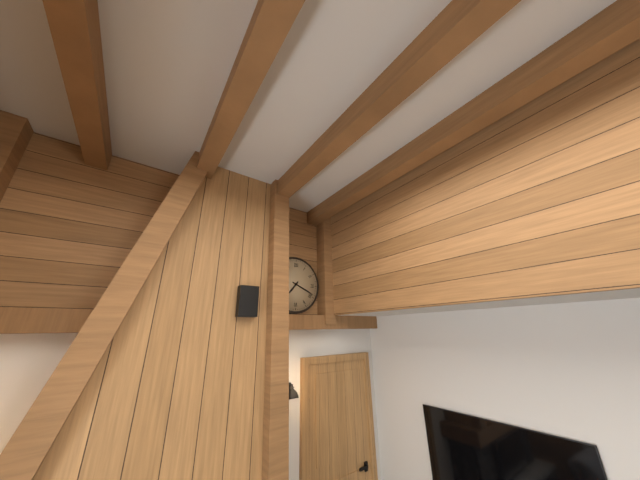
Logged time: 7.19
